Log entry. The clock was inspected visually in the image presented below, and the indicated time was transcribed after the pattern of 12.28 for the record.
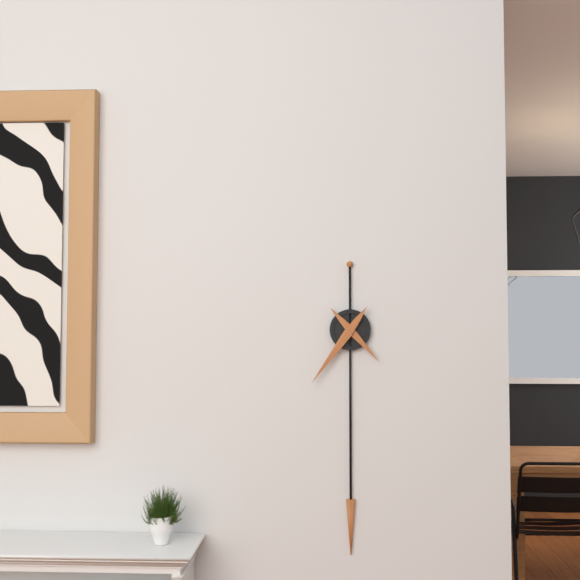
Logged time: 4.36
